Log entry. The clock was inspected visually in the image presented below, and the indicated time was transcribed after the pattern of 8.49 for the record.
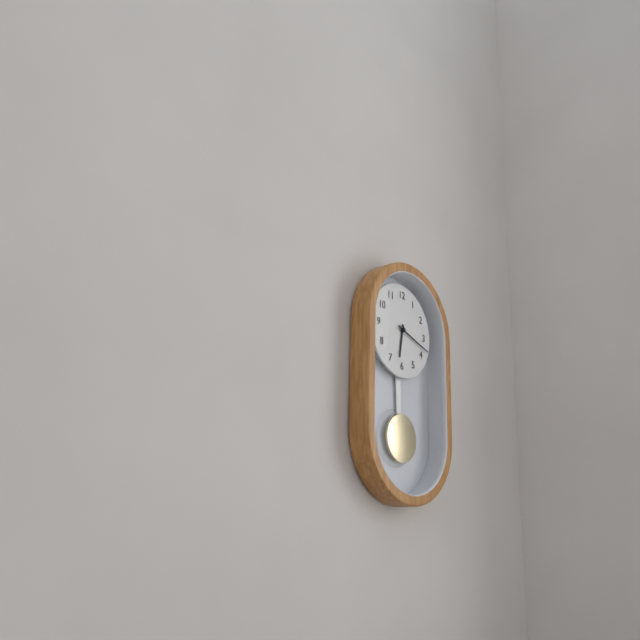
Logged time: 6.18
